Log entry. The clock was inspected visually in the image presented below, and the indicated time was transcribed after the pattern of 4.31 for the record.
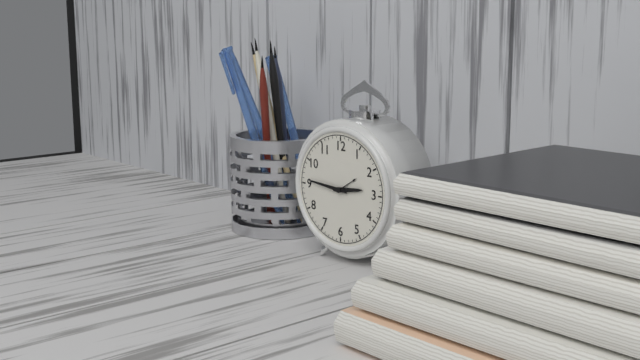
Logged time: 2.46
